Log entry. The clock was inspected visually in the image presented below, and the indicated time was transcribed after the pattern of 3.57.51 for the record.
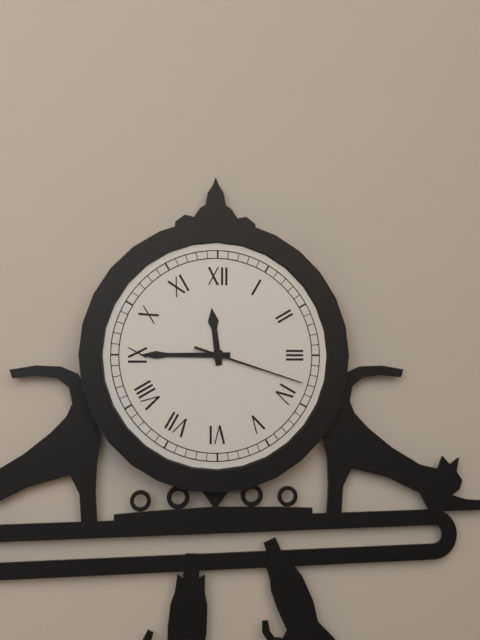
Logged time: 11.45.18
